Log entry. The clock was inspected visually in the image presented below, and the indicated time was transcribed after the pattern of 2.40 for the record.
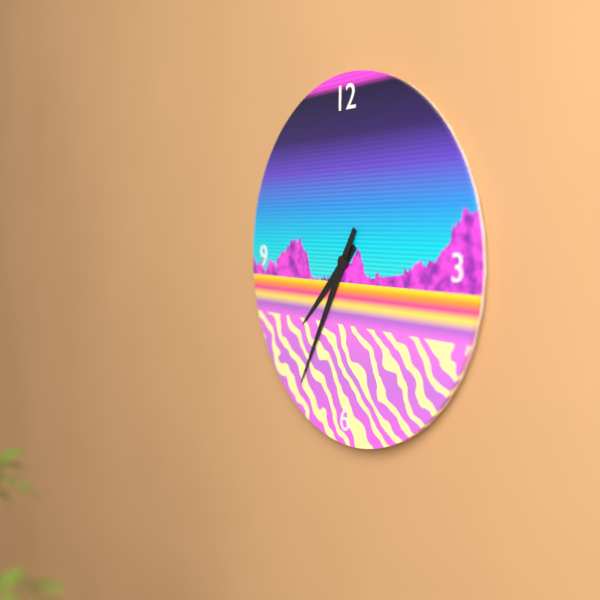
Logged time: 7.35
